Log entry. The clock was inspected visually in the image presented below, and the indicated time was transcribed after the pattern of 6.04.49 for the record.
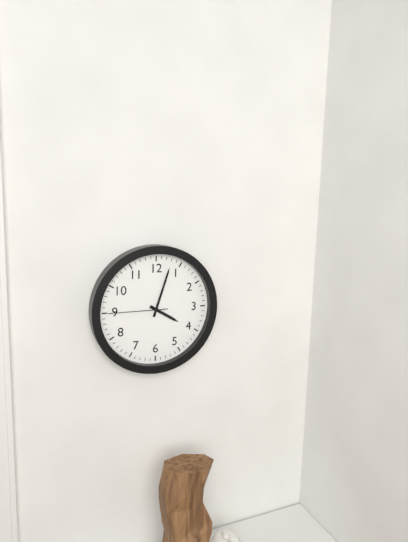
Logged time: 4.03.45
